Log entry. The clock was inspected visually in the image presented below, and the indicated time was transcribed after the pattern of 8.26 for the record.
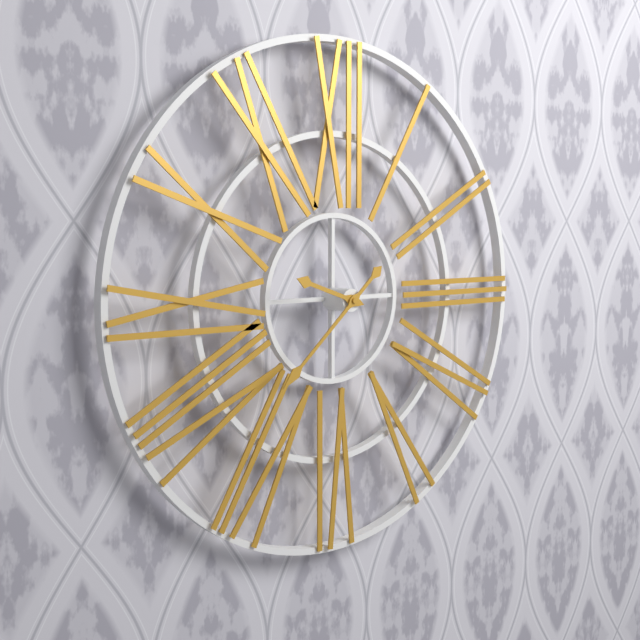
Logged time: 9.38
